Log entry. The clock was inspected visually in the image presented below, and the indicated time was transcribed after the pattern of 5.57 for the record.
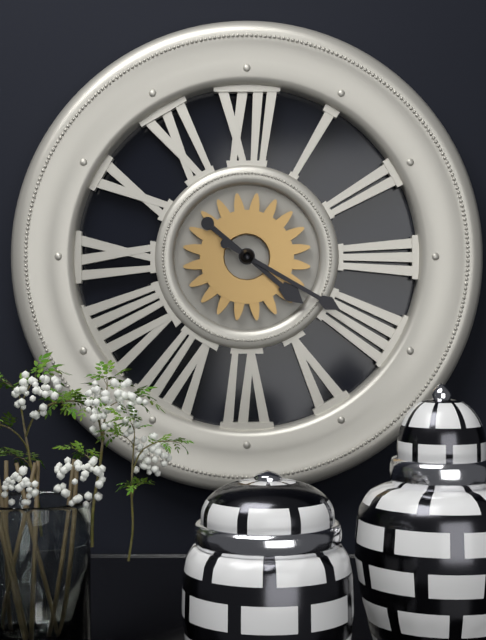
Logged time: 4.20
